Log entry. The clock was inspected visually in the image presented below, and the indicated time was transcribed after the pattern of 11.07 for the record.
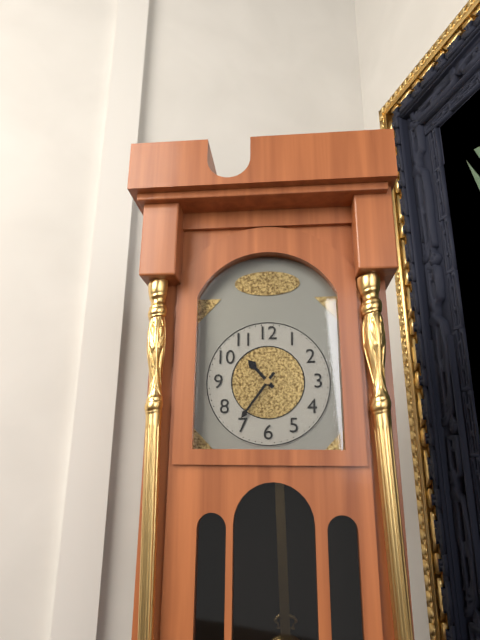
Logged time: 10.36
